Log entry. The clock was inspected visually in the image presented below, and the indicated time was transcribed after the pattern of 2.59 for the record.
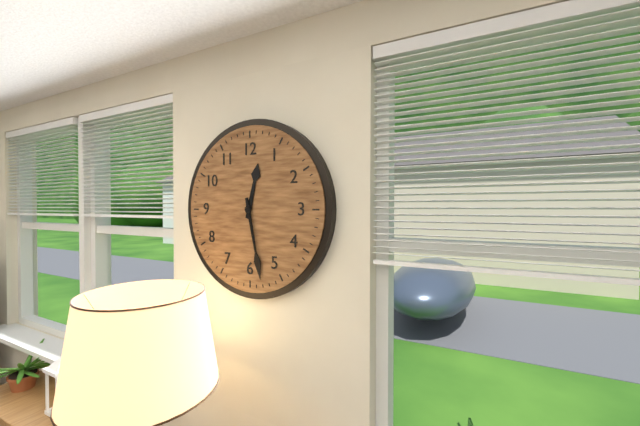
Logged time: 12.28
